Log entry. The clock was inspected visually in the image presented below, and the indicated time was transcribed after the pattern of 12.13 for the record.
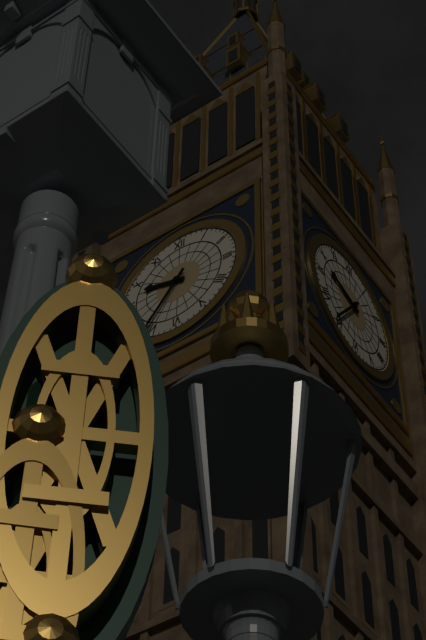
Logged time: 9.36
